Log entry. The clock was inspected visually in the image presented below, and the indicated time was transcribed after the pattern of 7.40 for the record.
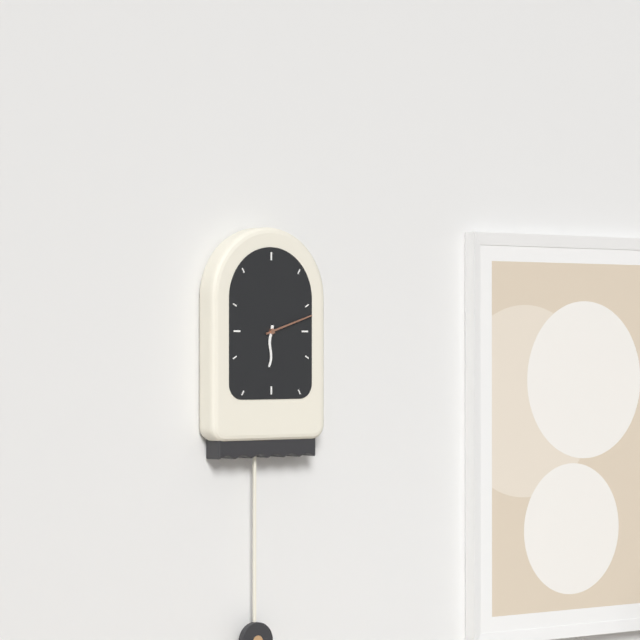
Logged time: 6.12
